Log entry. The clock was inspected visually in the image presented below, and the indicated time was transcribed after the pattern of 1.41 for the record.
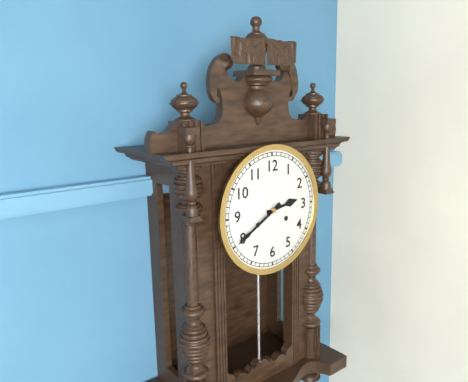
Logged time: 2.40
